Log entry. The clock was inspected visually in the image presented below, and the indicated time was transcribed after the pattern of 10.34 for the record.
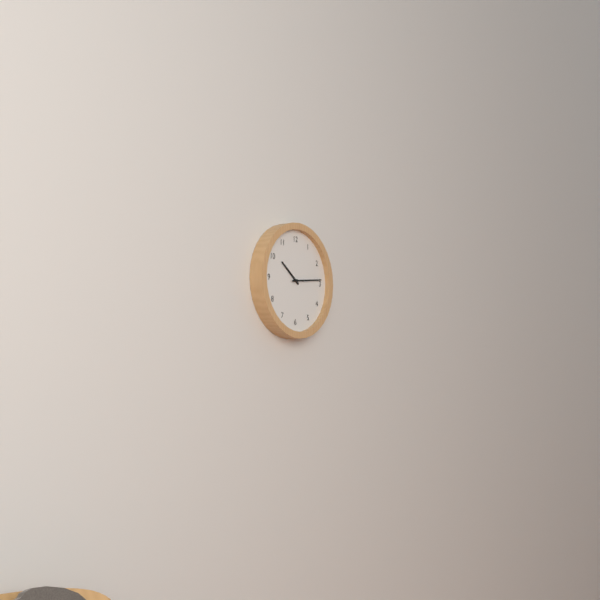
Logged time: 10.14
